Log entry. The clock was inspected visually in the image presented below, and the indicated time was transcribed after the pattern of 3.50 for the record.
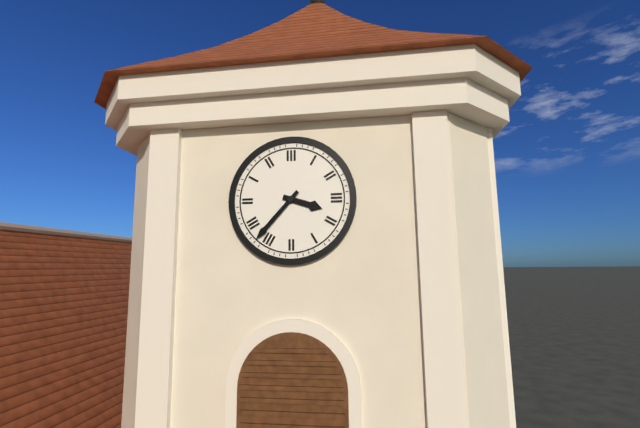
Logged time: 3.37
